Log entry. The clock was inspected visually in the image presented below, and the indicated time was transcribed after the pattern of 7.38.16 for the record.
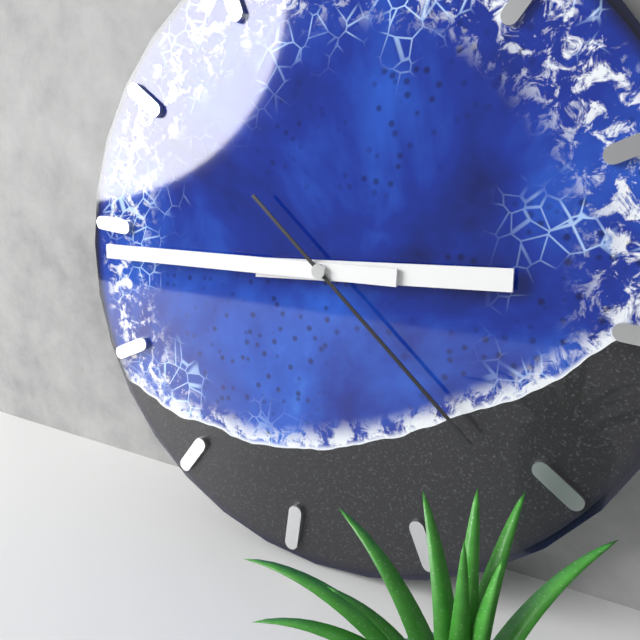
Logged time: 2.44.21
